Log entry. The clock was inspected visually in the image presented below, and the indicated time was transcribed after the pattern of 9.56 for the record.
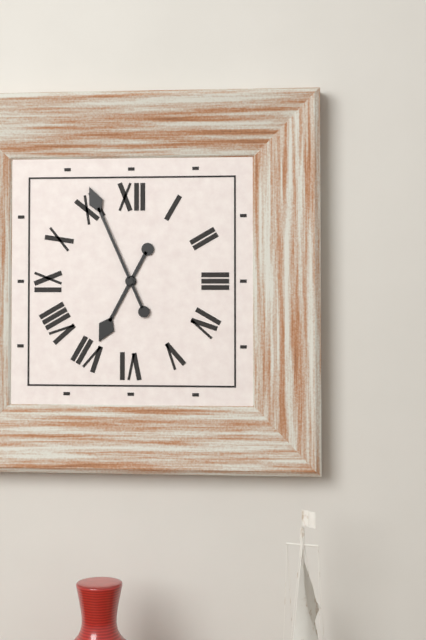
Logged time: 6.56
